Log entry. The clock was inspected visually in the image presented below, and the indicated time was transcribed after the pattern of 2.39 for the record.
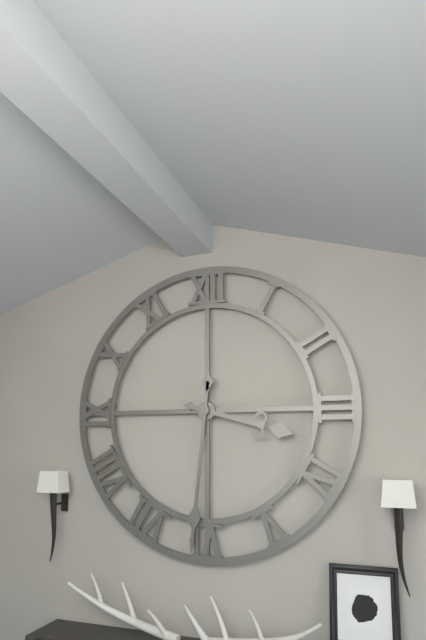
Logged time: 3.31
